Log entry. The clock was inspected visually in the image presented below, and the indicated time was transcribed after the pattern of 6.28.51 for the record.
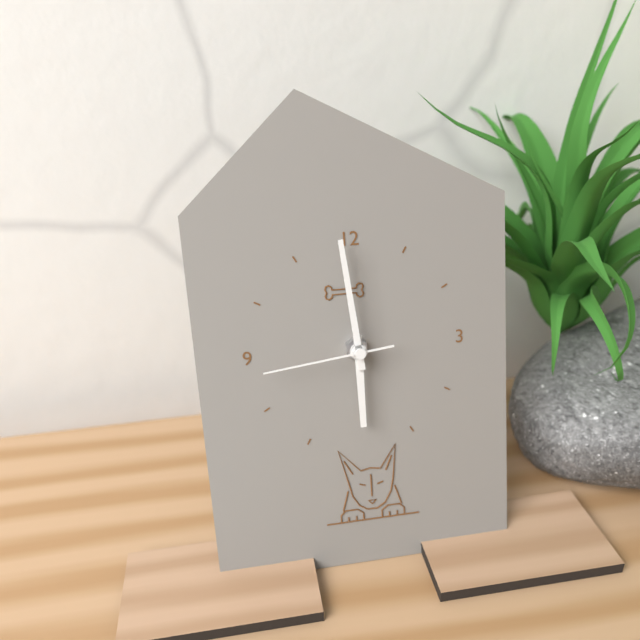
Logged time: 5.59.44
